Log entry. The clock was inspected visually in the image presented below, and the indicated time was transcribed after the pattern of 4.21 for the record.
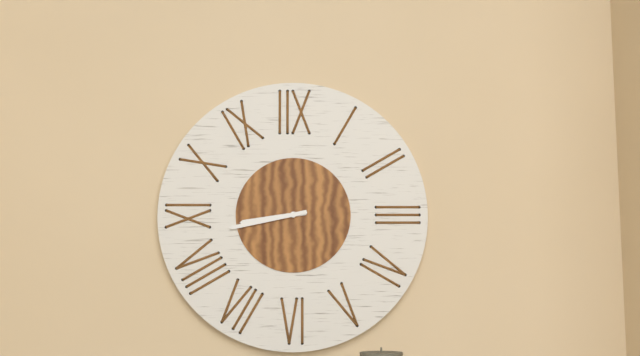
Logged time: 8.43
